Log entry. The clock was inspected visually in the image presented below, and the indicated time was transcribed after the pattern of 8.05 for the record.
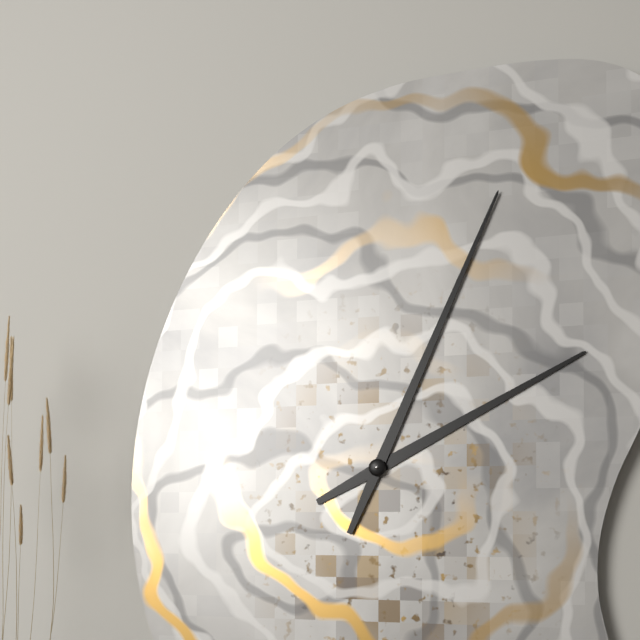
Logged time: 2.04
